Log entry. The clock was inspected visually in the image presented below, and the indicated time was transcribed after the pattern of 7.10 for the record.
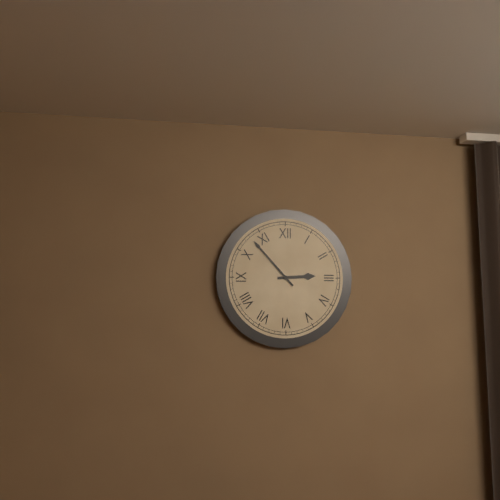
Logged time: 2.53
